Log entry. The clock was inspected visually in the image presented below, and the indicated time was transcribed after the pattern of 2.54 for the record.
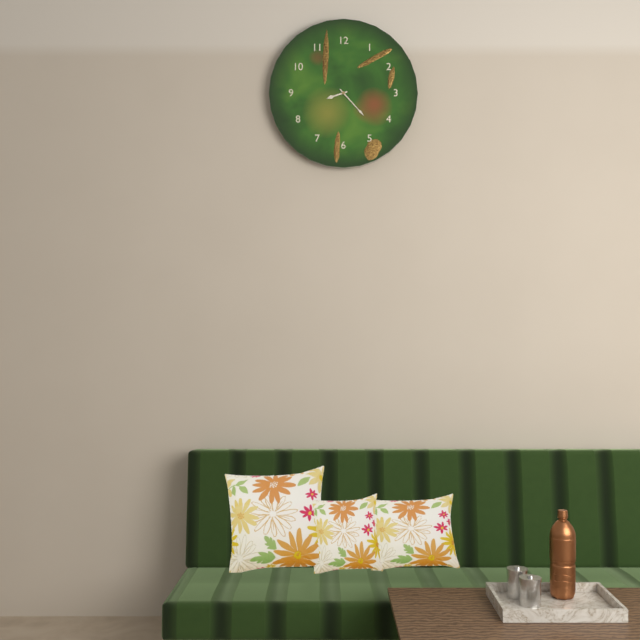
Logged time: 8.23
